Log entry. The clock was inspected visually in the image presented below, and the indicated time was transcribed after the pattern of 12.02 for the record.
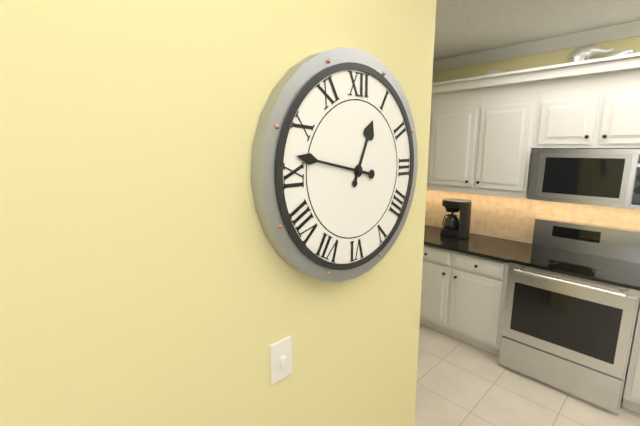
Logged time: 12.47
